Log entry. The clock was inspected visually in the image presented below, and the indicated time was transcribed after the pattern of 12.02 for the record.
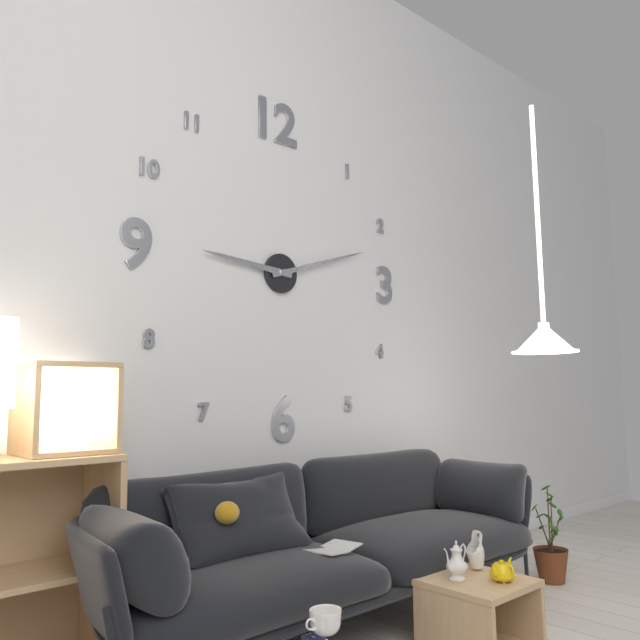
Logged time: 9.12
